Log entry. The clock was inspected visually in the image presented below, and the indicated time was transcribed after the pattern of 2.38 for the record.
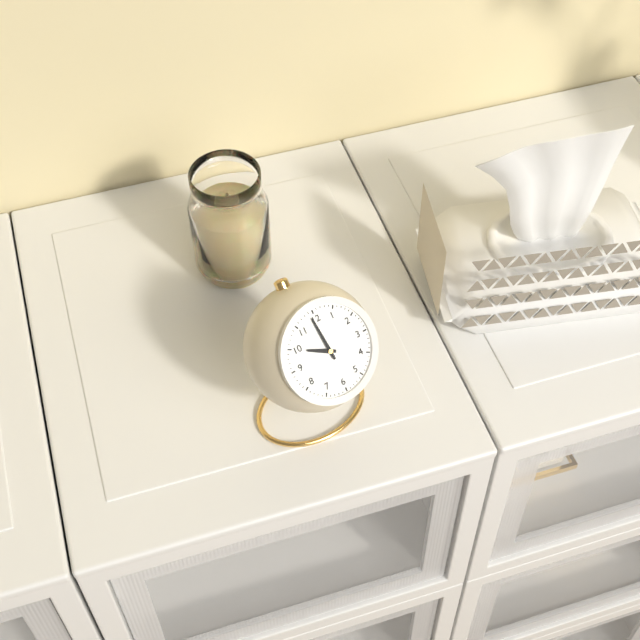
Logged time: 9.59
